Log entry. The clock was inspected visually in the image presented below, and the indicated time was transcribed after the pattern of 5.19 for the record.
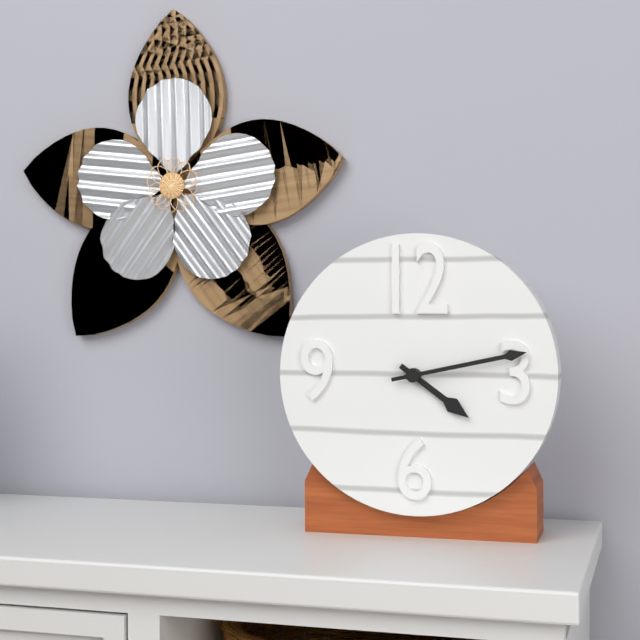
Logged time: 4.13
